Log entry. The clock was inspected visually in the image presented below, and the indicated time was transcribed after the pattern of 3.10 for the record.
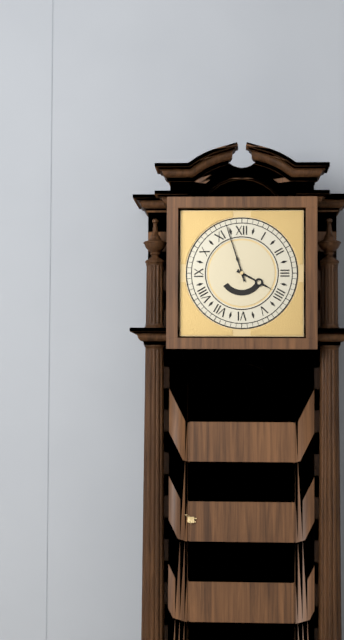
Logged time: 3.57
